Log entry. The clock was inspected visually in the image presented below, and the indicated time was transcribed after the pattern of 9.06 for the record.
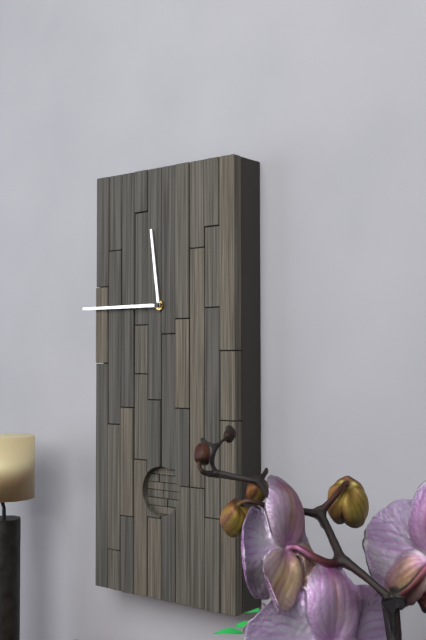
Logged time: 11.45
